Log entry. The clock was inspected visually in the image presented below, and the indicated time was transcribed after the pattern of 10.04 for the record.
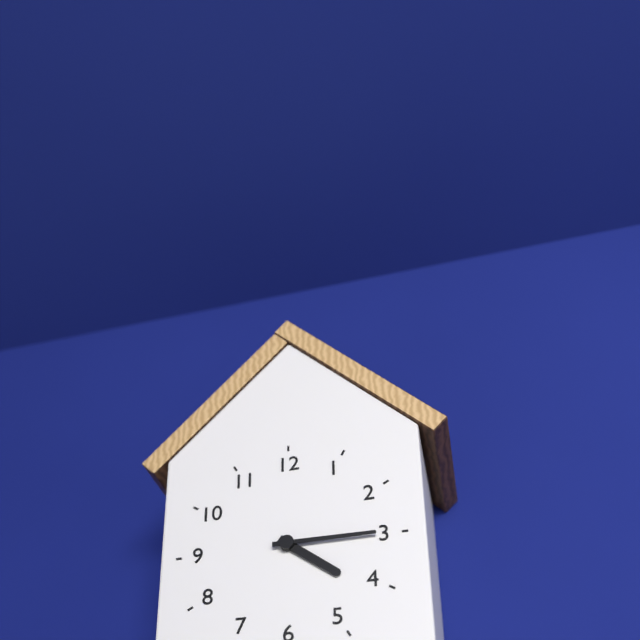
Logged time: 4.15
